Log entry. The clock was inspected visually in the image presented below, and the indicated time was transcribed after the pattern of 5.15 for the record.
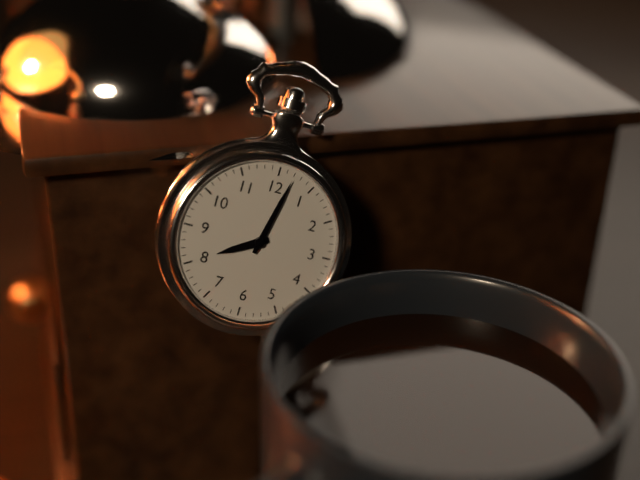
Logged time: 8.02
